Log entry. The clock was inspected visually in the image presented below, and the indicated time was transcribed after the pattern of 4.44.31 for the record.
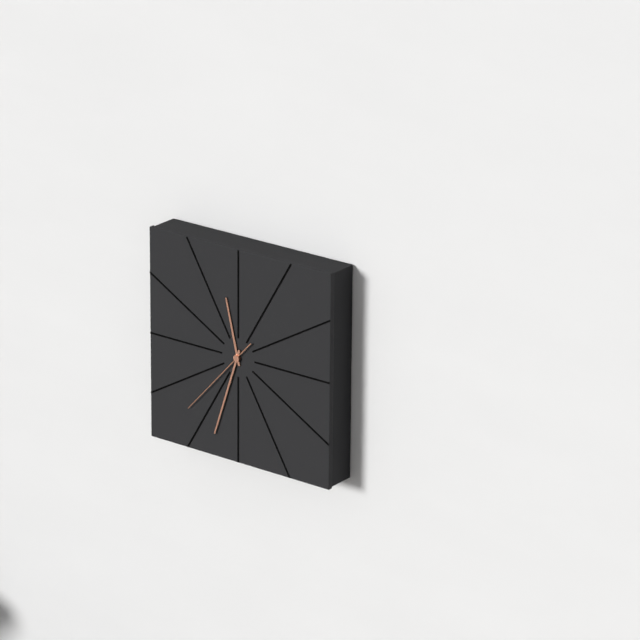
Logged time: 11.33.37
